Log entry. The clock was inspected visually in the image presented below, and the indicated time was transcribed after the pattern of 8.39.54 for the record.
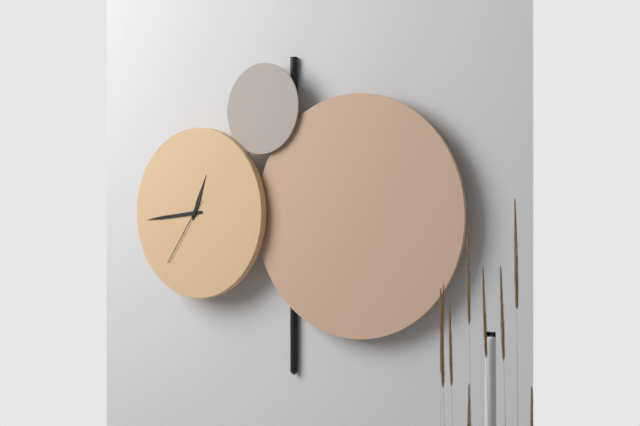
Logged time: 12.44.36
